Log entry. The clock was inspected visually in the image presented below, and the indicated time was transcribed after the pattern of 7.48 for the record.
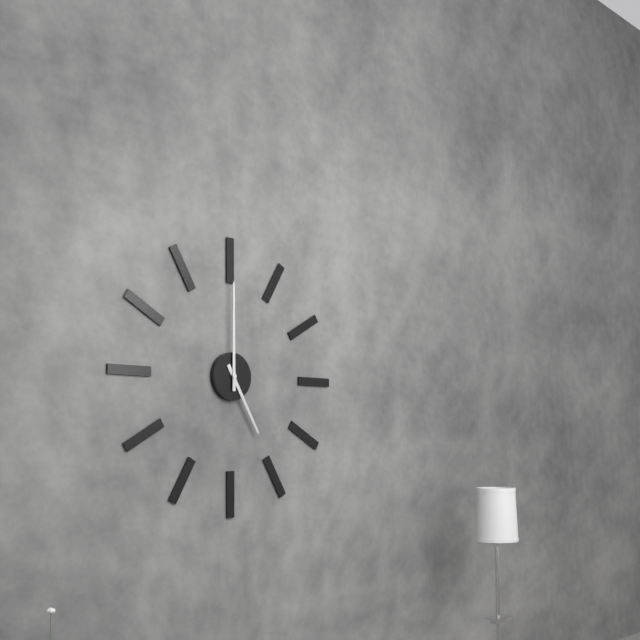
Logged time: 5.00
